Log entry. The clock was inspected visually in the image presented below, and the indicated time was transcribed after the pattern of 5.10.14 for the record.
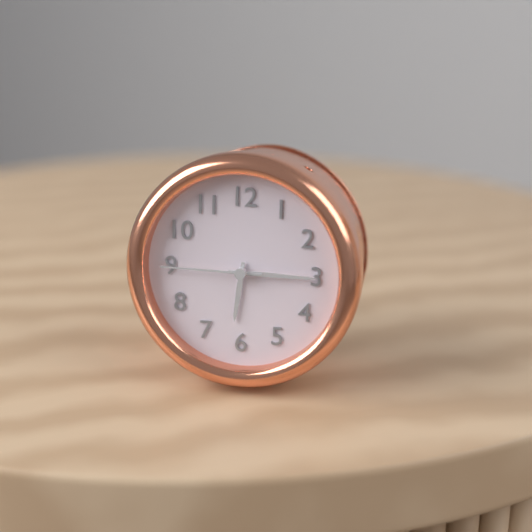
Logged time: 6.15.45
